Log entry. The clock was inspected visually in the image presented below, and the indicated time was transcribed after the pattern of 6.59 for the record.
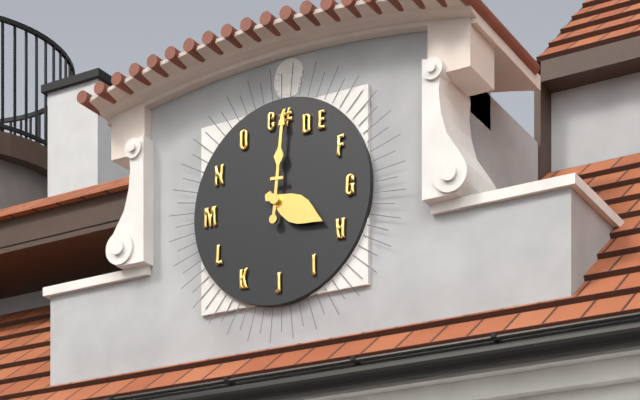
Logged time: 4.01
